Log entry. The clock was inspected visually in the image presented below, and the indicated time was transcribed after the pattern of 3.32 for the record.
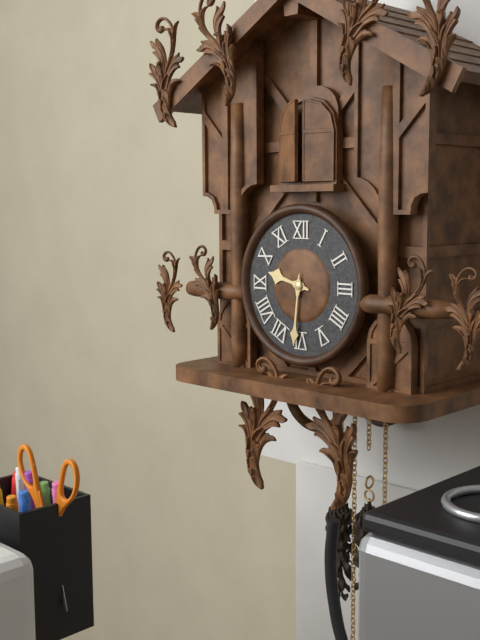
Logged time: 9.31
